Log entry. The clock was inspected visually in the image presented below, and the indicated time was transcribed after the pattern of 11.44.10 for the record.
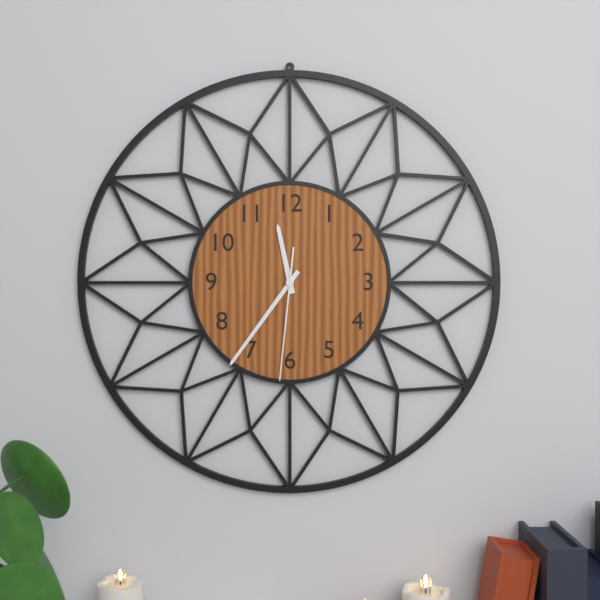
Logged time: 11.36.31
